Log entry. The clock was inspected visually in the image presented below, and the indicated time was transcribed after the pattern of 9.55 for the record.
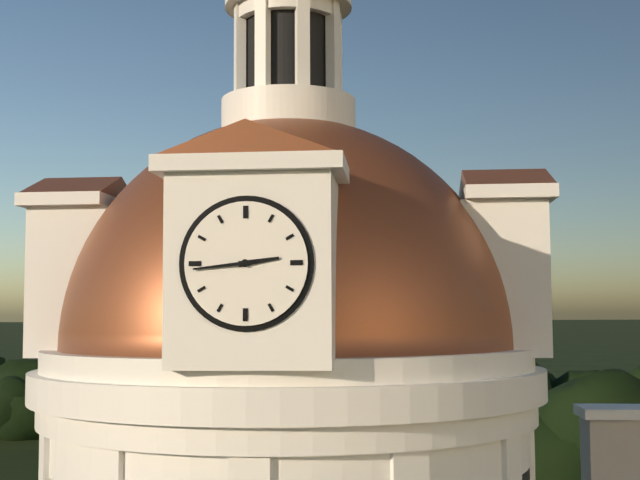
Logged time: 2.44
